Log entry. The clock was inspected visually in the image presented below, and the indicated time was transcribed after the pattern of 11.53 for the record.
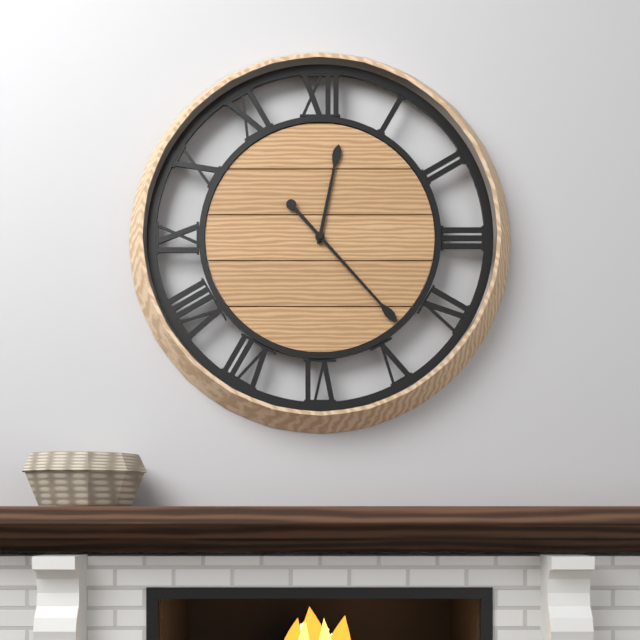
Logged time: 12.23
